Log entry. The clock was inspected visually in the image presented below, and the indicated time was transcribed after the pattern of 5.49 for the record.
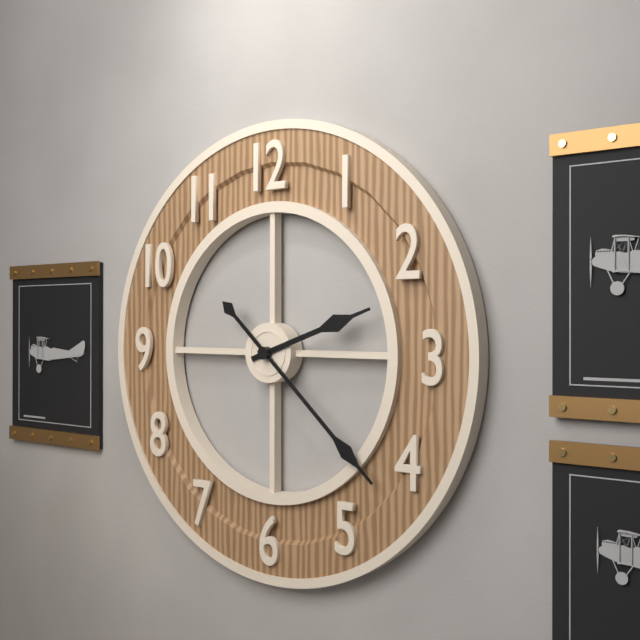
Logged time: 2.22
